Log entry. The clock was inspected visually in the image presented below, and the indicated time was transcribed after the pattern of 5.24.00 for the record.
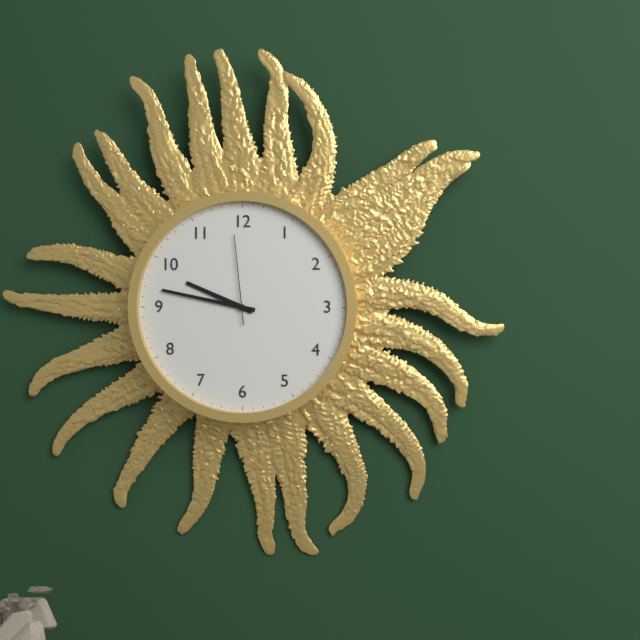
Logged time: 9.47.59
